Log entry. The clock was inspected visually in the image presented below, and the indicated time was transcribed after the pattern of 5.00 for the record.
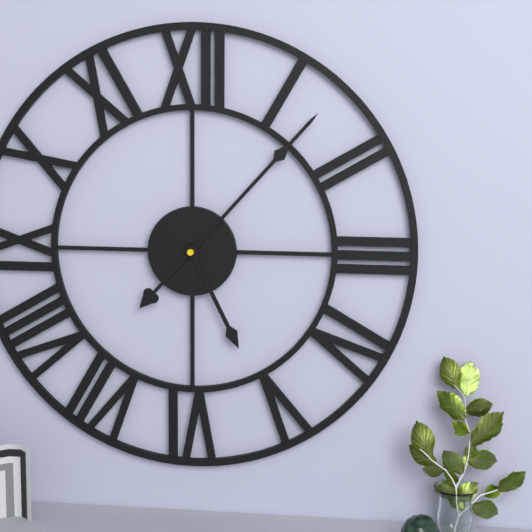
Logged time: 5.07
